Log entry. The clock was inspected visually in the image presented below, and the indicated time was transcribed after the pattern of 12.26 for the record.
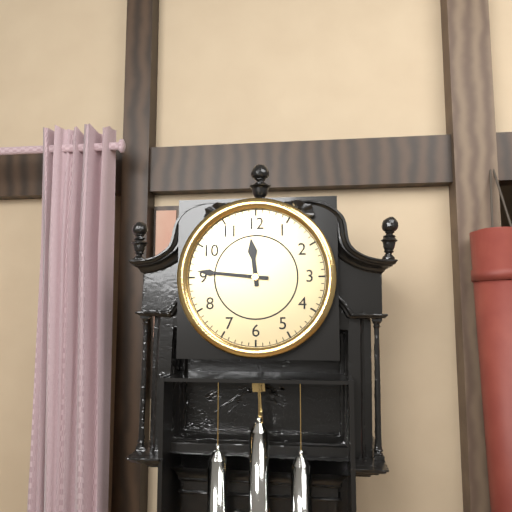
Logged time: 11.46
